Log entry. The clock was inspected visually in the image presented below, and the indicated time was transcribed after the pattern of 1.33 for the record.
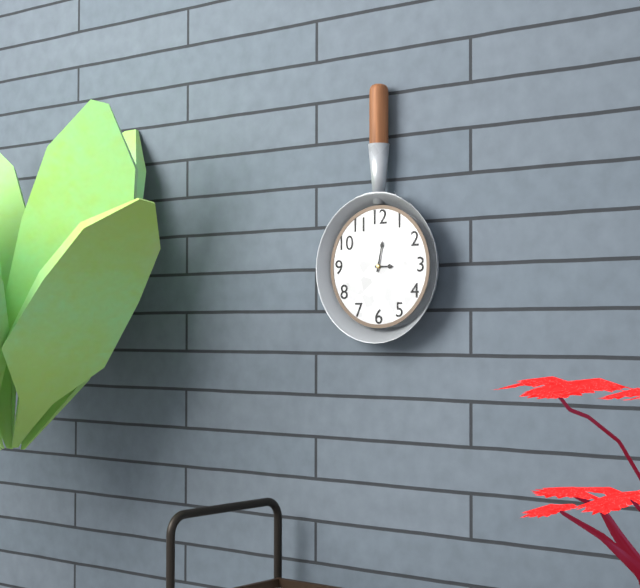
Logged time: 3.02
